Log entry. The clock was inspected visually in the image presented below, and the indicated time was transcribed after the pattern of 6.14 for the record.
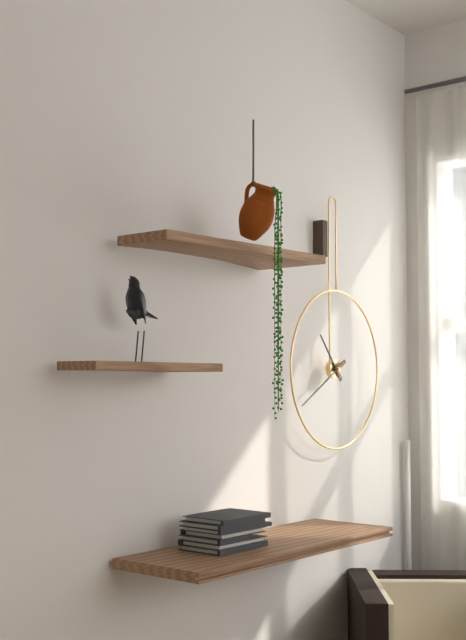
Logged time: 10.40
